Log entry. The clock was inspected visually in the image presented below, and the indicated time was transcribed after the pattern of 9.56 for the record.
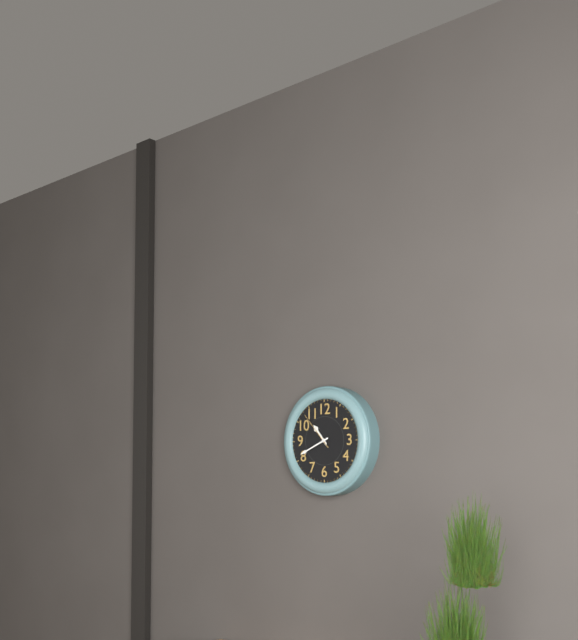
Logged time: 10.41
